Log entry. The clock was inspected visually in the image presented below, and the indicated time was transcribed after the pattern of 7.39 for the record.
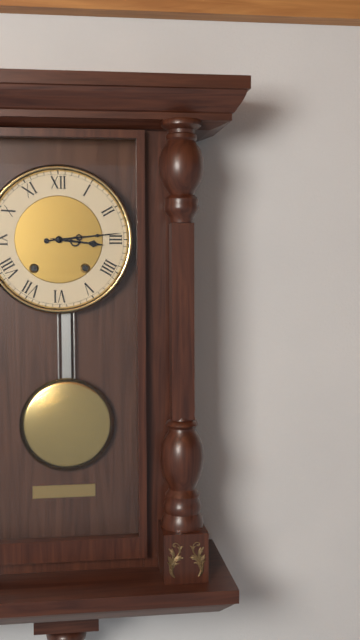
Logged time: 3.14
